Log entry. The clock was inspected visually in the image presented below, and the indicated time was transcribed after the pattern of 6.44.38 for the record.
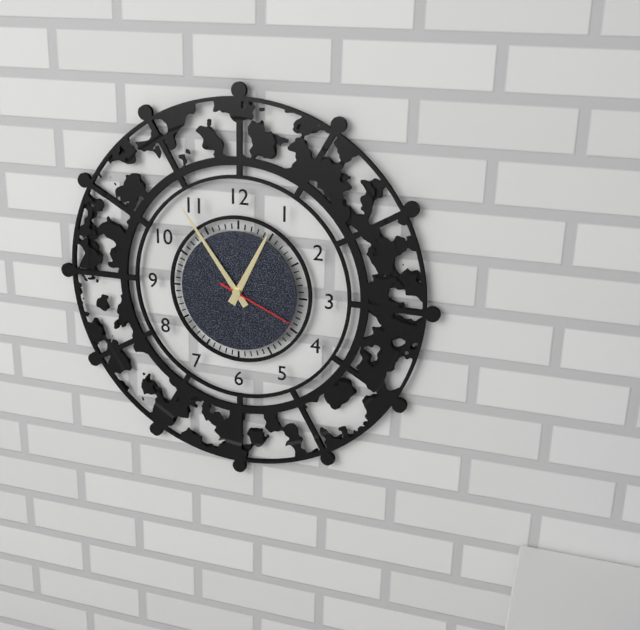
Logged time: 12.54.19
